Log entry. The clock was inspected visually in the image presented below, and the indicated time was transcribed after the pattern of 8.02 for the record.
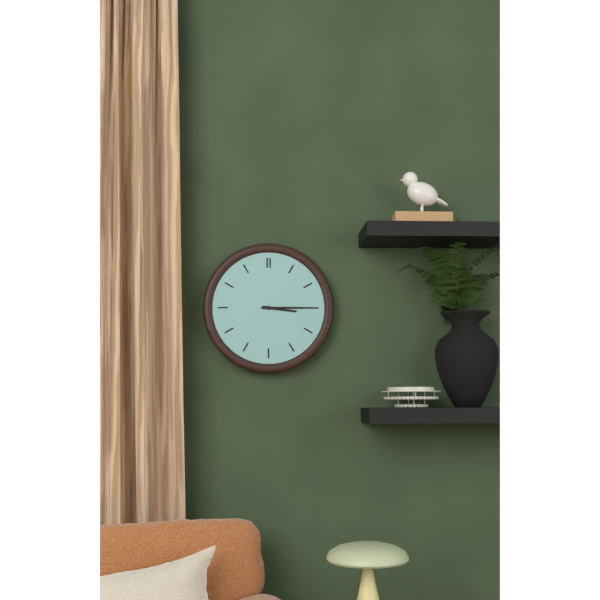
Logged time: 3.15
